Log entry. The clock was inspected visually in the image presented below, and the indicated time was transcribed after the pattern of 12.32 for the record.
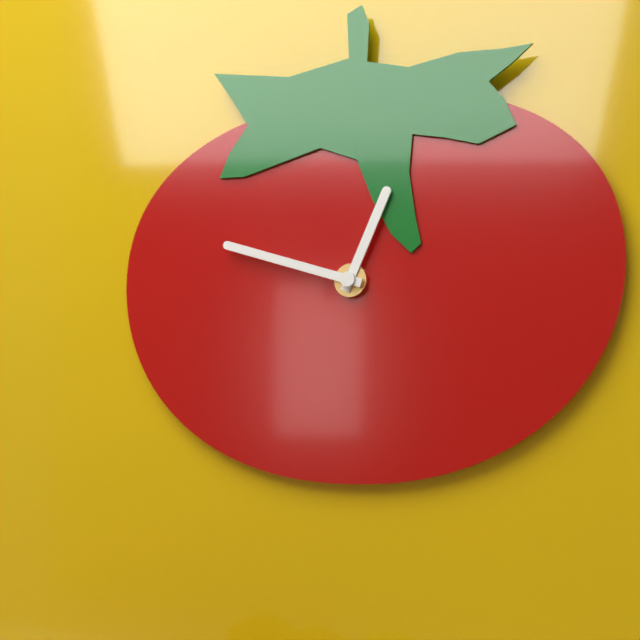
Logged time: 12.48
